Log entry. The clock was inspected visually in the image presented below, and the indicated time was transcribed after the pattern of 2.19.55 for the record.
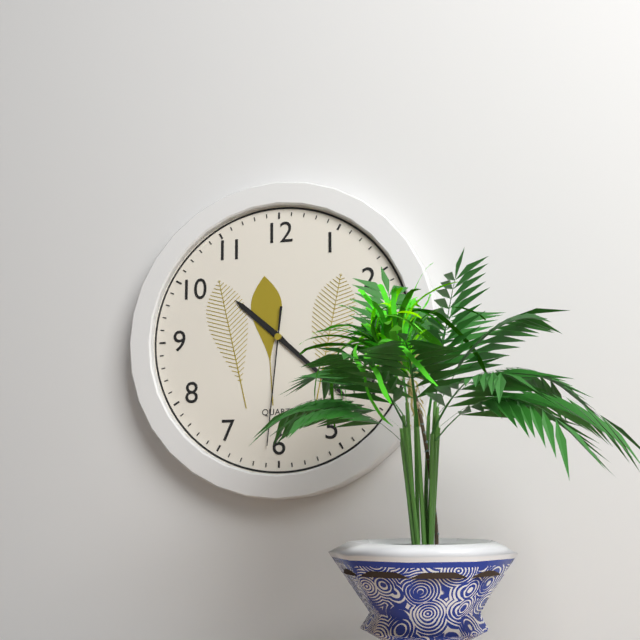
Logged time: 10.22.31
